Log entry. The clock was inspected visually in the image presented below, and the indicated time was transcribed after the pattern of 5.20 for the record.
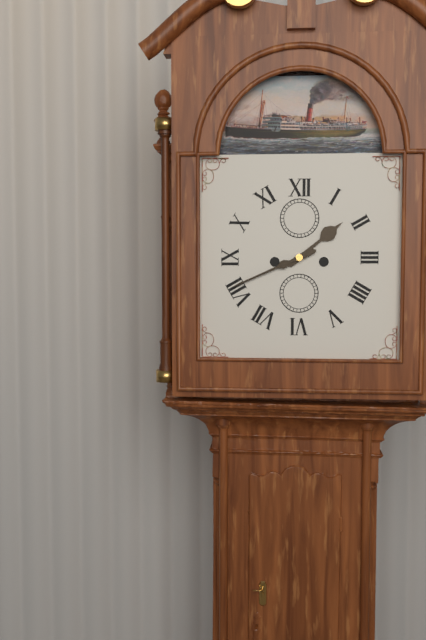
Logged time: 1.41
